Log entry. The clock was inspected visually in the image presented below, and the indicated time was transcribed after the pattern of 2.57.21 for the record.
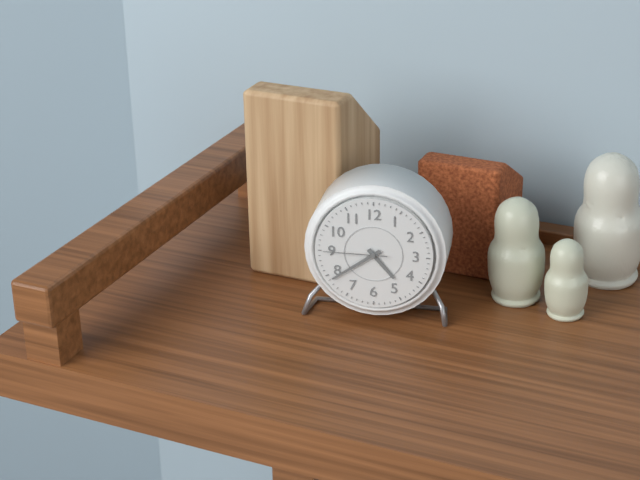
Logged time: 4.39.45
